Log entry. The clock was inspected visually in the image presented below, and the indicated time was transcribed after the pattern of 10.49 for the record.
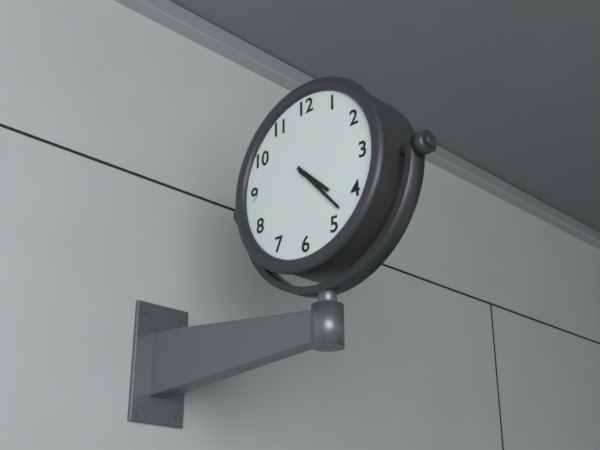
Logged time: 4.23
